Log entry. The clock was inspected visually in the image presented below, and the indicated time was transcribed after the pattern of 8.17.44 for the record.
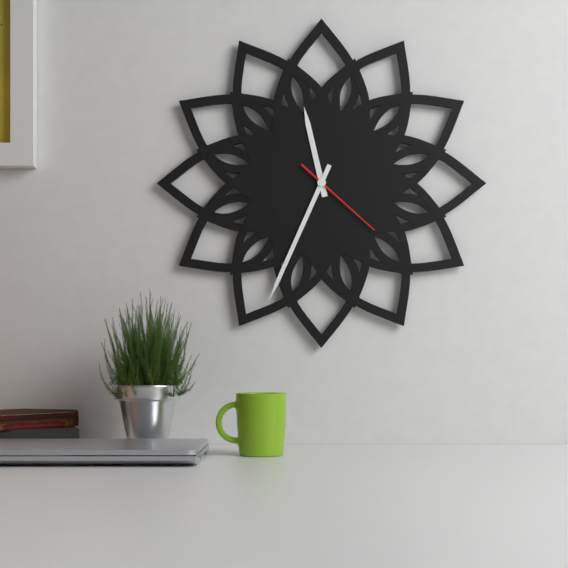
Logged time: 11.34.22
